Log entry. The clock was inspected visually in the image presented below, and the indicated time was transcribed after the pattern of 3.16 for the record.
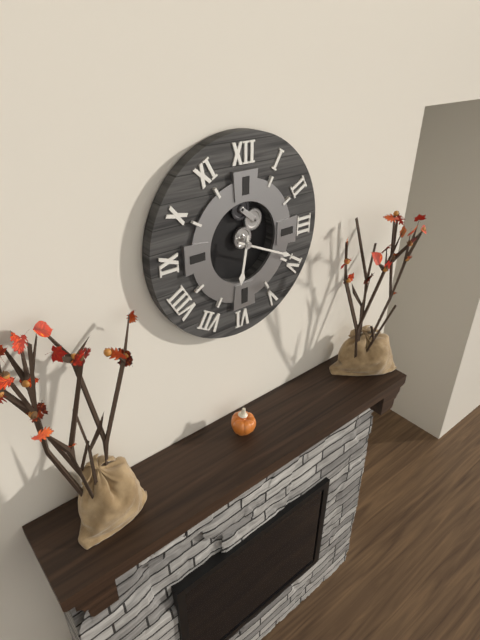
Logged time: 6.19
